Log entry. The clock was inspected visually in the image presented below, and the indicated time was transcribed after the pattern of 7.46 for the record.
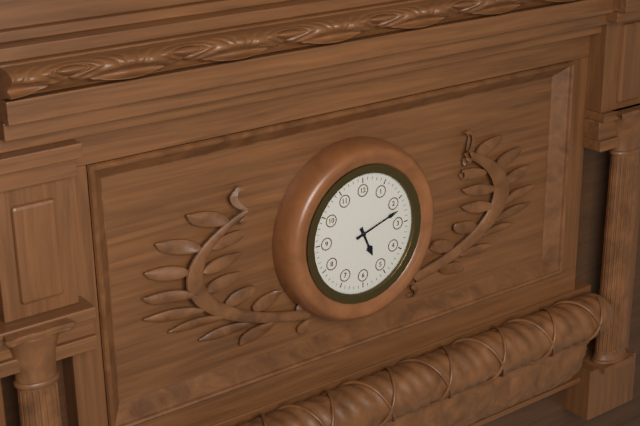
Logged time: 5.12
